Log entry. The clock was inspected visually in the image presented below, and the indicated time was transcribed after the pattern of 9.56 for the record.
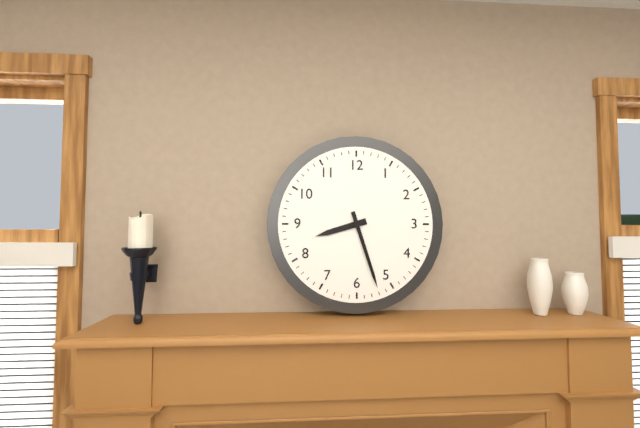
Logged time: 8.27
